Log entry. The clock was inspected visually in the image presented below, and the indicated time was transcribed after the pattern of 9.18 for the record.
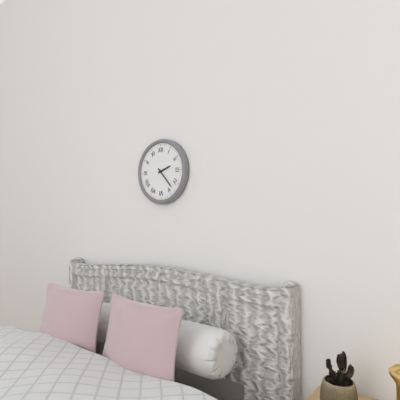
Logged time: 2.23
